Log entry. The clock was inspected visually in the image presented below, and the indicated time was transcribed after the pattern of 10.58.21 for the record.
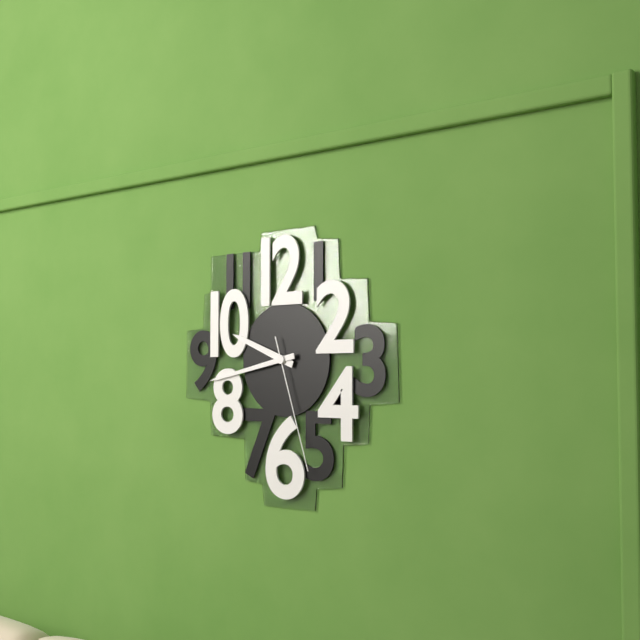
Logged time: 9.43.27
